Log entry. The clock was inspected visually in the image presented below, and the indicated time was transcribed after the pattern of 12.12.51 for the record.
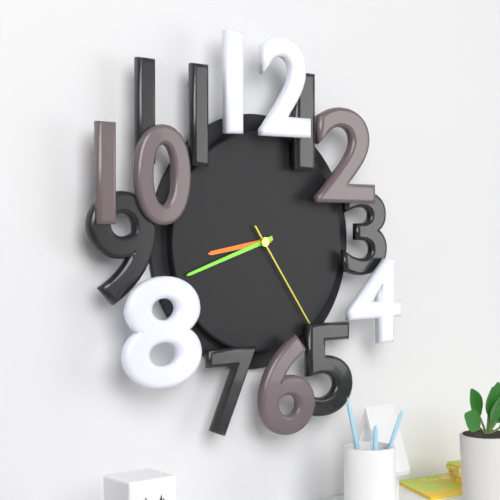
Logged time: 8.42.24
